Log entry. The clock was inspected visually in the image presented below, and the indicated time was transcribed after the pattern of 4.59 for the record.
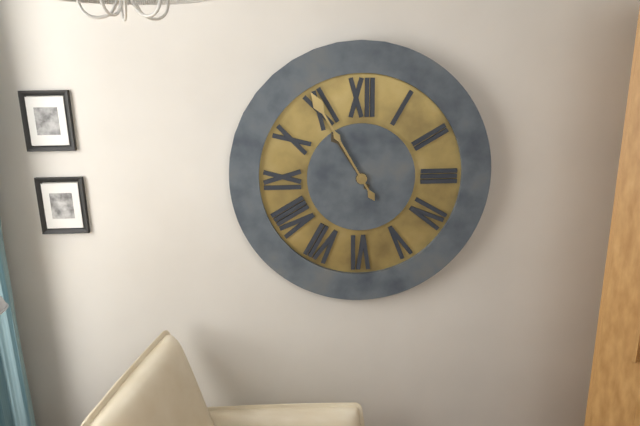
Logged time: 10.55
